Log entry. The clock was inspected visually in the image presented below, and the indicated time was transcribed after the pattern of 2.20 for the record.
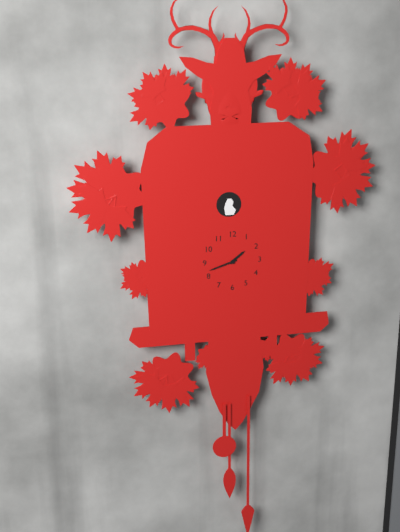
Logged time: 1.42
